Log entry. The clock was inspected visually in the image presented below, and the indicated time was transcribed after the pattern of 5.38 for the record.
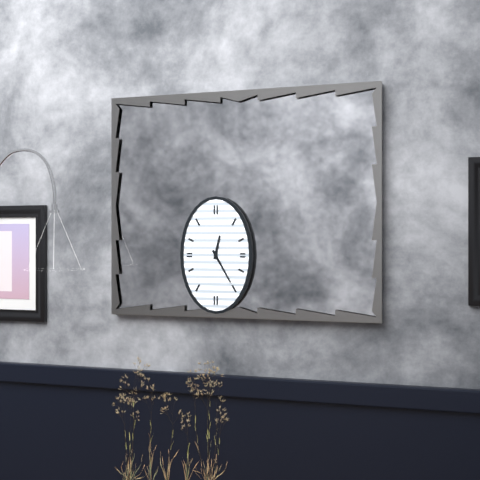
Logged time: 12.25
